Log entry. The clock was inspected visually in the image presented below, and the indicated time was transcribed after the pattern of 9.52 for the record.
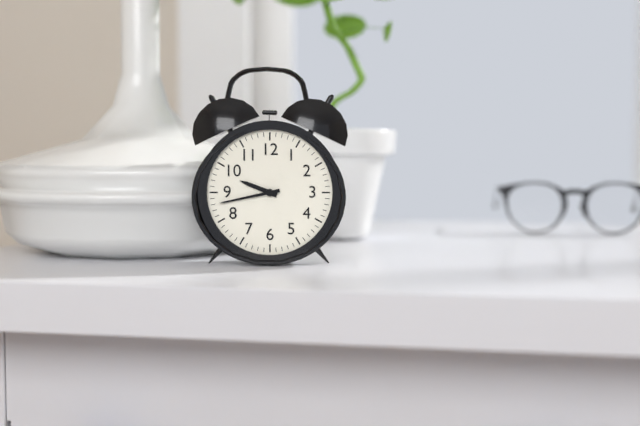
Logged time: 9.43
